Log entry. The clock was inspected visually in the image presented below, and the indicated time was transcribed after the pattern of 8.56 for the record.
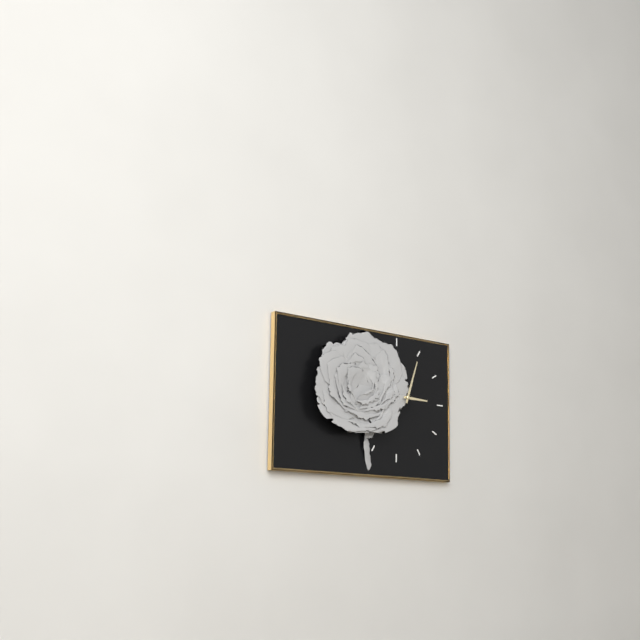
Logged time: 3.03
